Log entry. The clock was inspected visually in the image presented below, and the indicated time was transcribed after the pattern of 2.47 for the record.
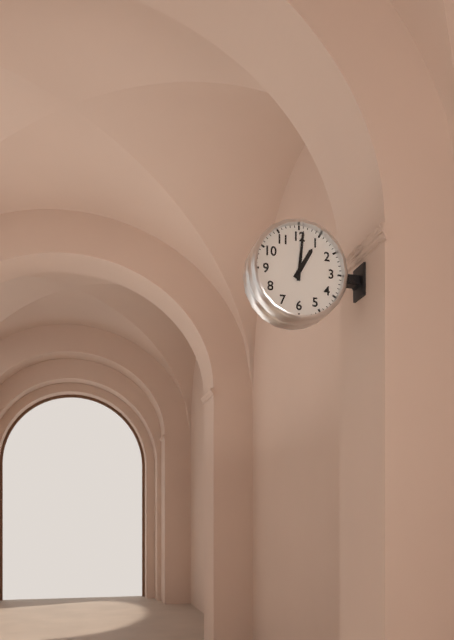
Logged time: 1.01
